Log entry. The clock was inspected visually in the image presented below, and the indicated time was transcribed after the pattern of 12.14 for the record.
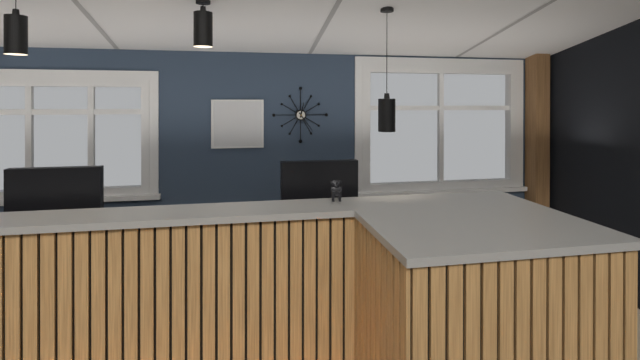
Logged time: 12.24
